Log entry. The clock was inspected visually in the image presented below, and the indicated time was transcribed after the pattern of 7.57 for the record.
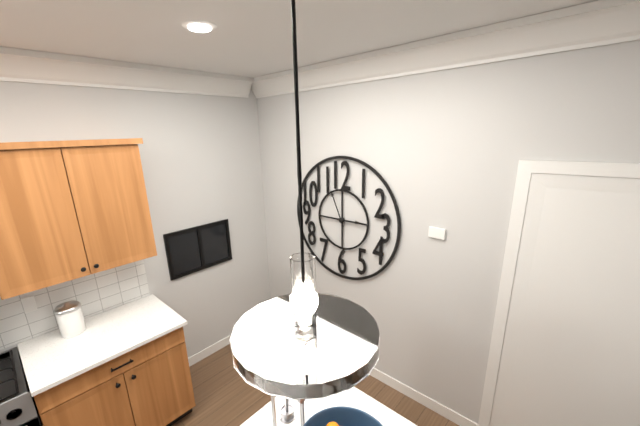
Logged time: 2.56
